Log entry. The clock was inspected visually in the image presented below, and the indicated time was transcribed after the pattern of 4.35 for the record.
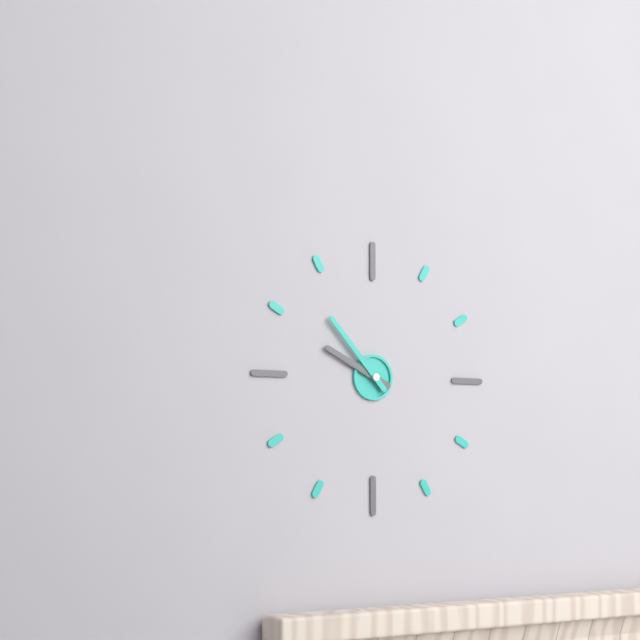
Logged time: 9.53
